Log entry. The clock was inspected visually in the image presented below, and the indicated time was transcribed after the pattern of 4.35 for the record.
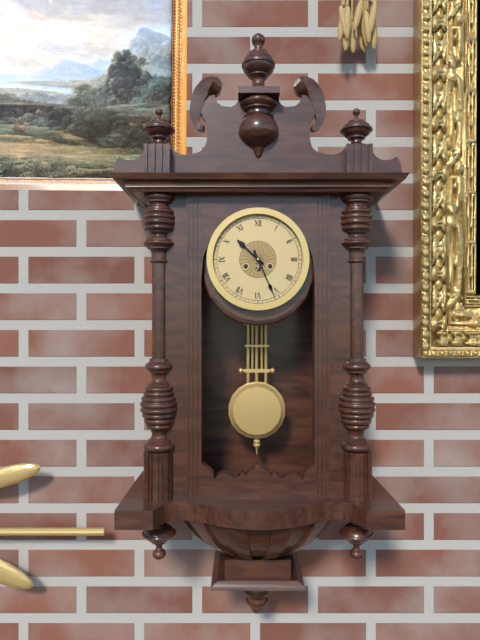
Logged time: 10.26
